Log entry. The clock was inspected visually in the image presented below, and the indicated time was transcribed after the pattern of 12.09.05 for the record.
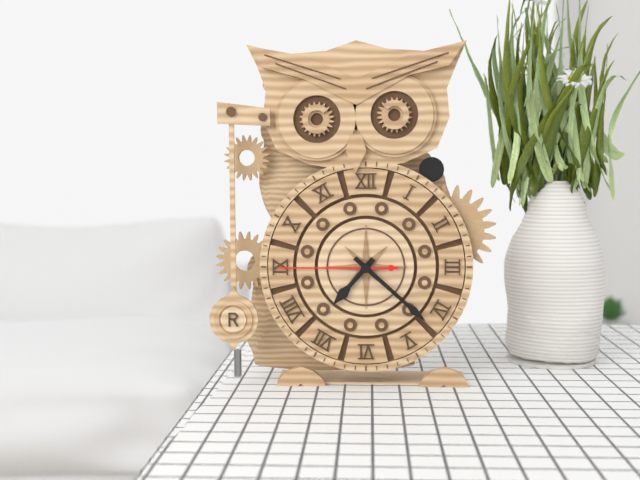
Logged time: 7.22.45
